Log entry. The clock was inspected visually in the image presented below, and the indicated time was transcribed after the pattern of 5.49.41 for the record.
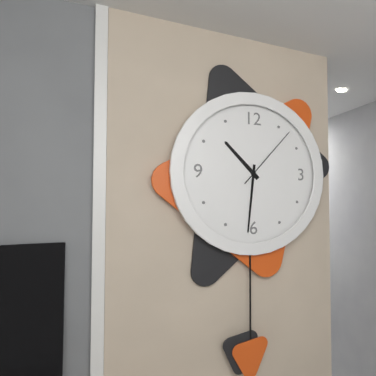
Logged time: 10.31.07
